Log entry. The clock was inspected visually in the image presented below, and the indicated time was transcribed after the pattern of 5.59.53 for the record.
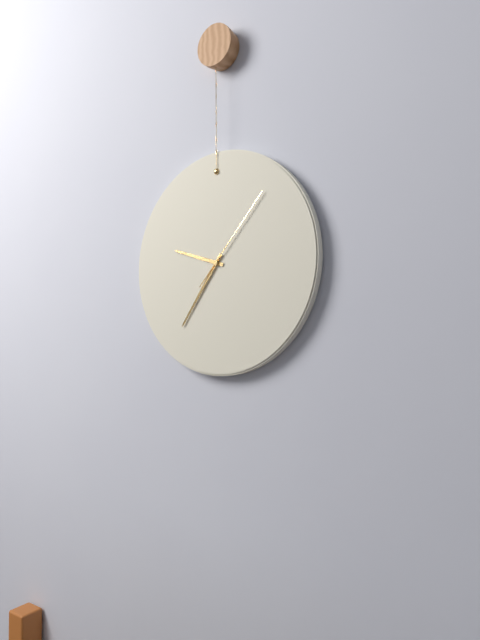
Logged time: 9.36.07
